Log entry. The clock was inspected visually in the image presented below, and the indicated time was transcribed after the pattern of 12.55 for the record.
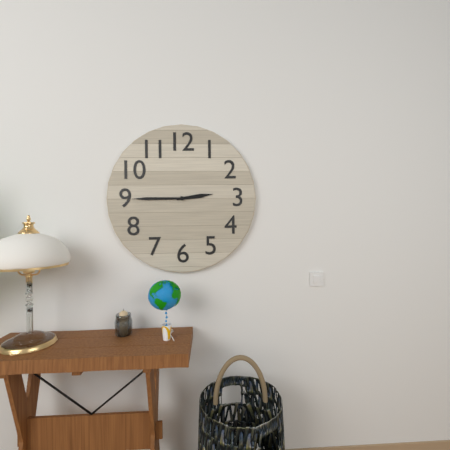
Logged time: 2.45
